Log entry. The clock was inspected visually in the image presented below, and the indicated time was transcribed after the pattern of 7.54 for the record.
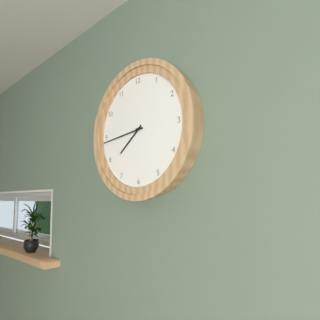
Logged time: 7.44
